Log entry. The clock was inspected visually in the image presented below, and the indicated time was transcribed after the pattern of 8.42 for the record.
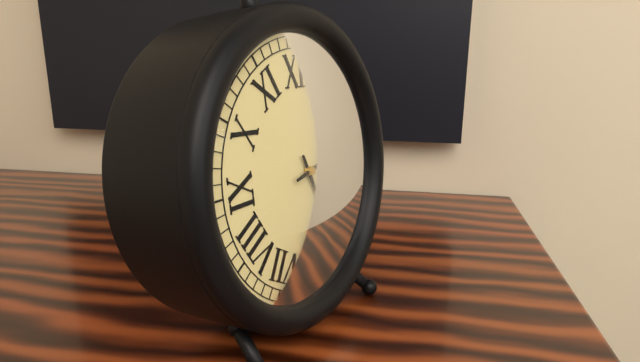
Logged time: 5.13
